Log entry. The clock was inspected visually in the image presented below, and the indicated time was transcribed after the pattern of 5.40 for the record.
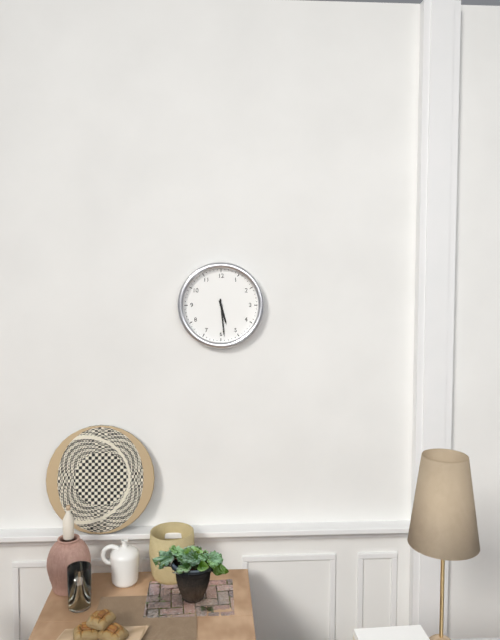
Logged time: 5.29
